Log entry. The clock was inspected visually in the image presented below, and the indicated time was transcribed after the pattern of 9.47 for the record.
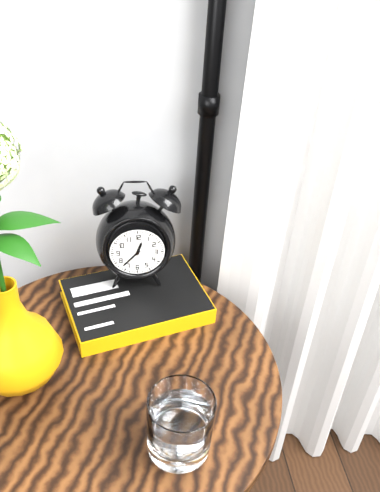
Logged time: 12.37
